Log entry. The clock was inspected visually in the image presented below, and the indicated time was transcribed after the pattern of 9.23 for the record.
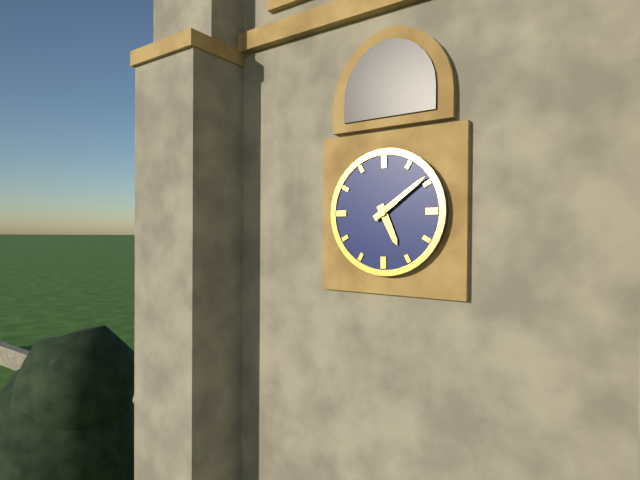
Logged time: 5.09
